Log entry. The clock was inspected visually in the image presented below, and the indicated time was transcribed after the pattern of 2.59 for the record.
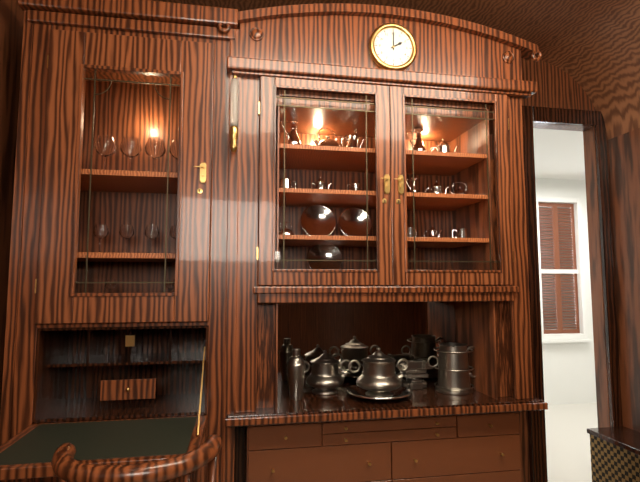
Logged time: 2.00
